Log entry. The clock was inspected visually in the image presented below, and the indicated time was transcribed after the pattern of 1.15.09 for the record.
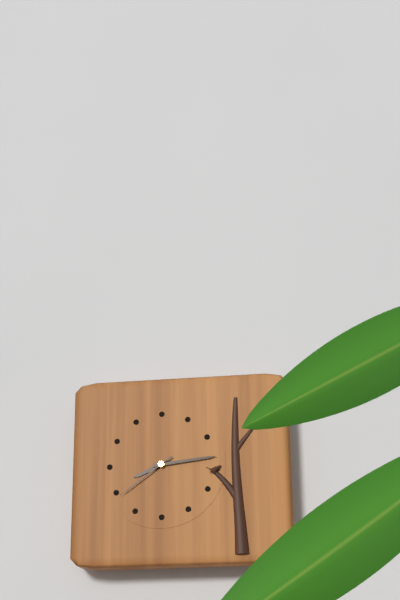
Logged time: 8.14.39
